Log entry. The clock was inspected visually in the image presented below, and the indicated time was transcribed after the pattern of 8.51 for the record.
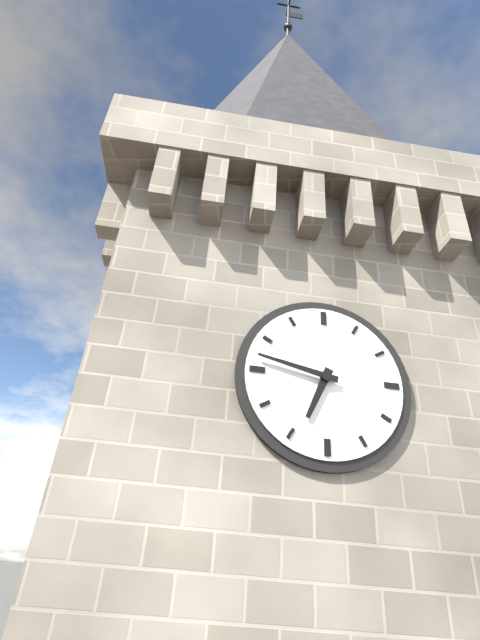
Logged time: 6.47
